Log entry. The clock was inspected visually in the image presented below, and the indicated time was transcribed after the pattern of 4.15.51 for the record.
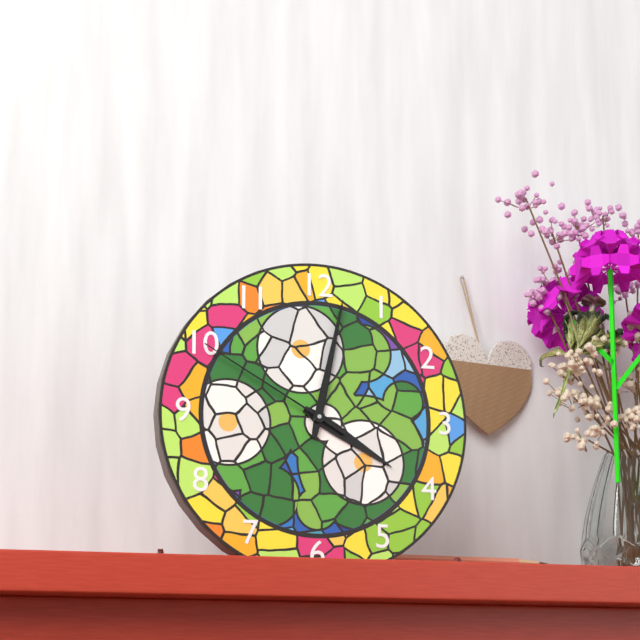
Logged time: 4.02.50
